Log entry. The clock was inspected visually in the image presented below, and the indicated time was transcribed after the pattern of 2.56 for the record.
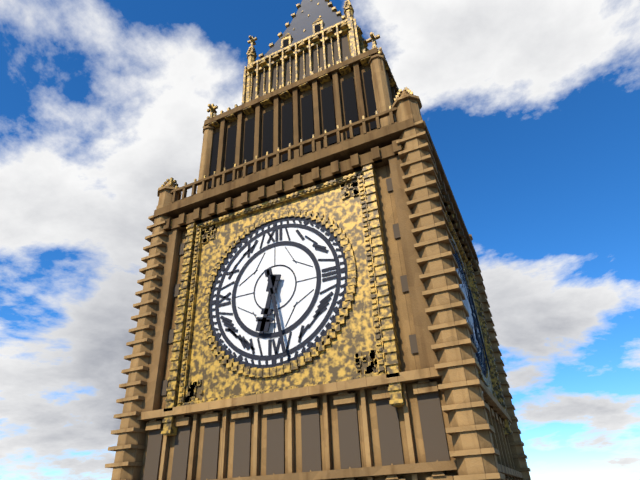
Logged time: 6.28
